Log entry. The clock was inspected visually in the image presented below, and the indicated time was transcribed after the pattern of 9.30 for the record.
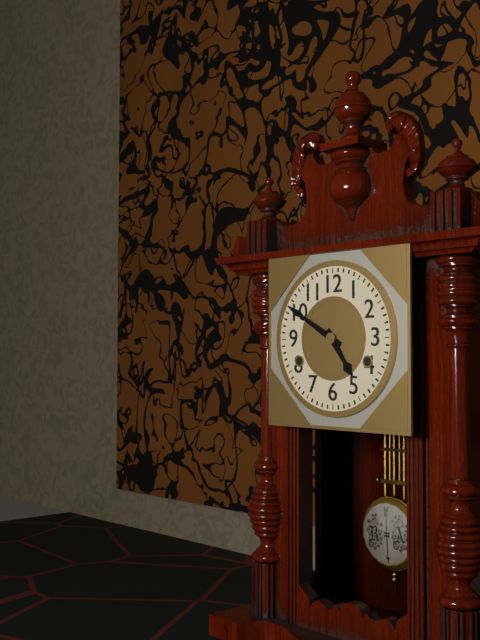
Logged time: 4.50
